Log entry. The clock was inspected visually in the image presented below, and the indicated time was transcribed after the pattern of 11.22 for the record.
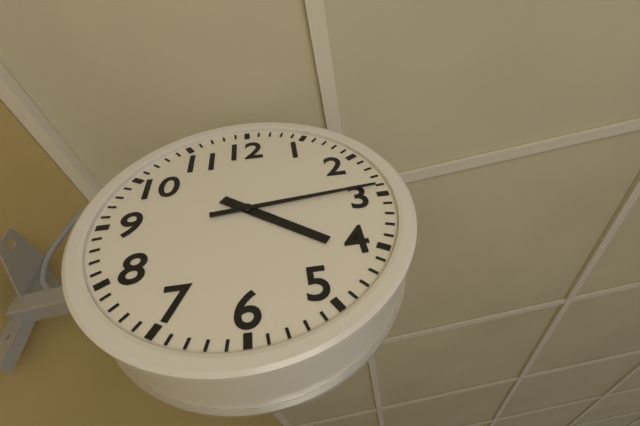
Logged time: 4.14
